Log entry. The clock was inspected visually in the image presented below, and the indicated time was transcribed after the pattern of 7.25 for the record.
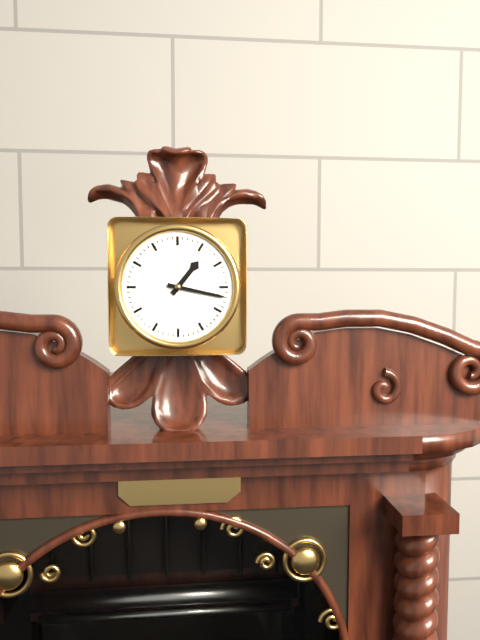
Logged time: 1.17
